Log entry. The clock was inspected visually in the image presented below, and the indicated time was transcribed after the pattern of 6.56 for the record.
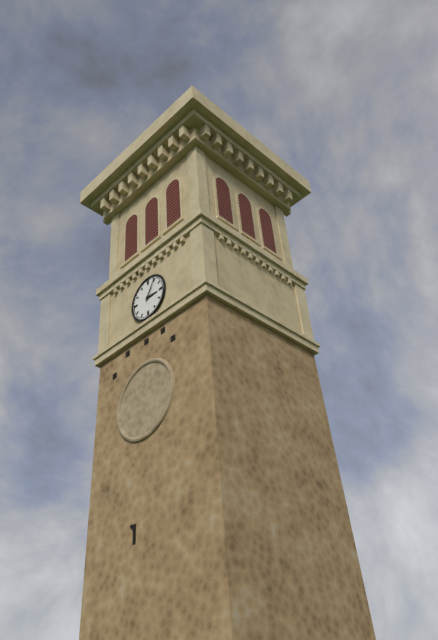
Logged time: 3.05
